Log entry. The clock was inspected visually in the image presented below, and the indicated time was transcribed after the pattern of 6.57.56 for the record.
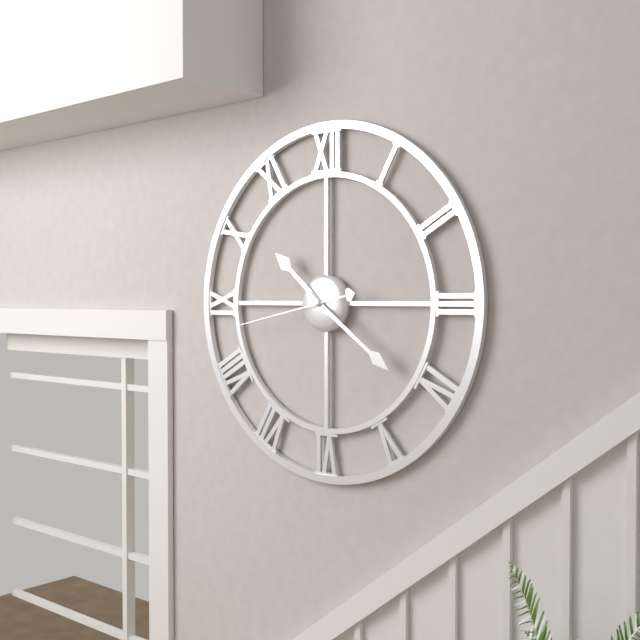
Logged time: 10.21.43
